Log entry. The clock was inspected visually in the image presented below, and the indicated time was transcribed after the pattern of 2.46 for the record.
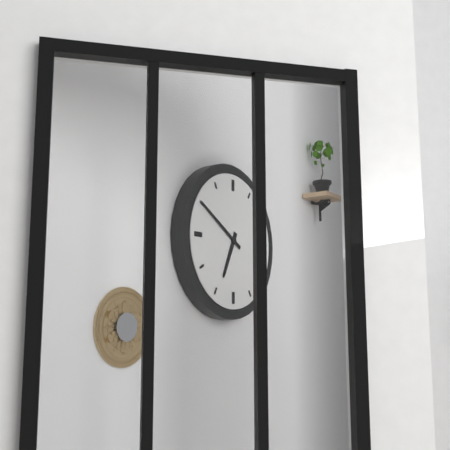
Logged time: 6.50
